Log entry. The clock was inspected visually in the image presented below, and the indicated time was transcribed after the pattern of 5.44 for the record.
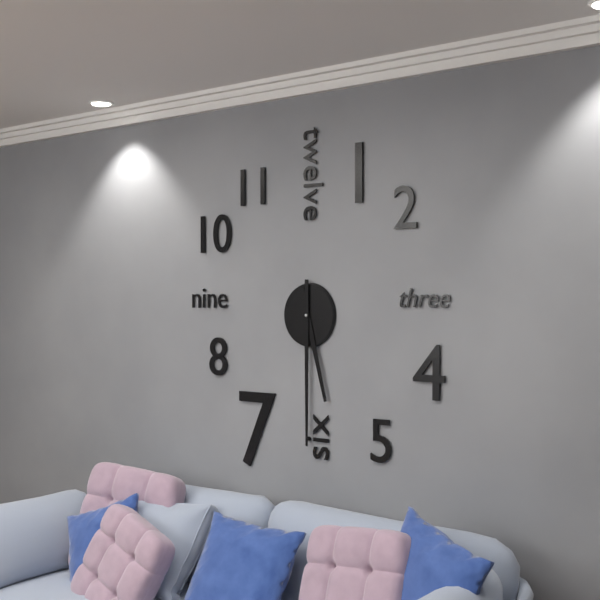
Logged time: 5.30
